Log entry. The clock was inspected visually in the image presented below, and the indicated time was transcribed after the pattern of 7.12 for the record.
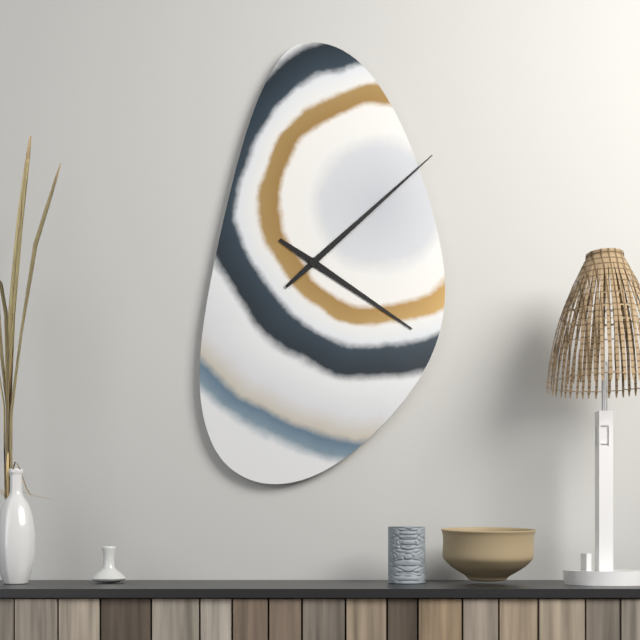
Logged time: 4.08
